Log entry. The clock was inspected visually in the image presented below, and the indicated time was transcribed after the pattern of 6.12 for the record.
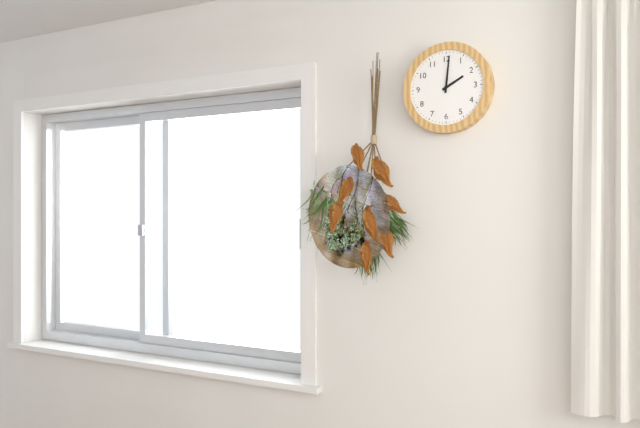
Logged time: 2.01
